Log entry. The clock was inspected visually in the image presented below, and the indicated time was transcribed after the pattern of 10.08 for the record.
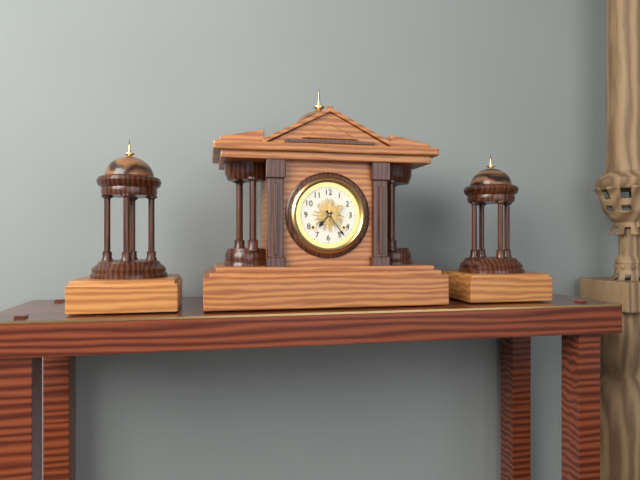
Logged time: 7.24
